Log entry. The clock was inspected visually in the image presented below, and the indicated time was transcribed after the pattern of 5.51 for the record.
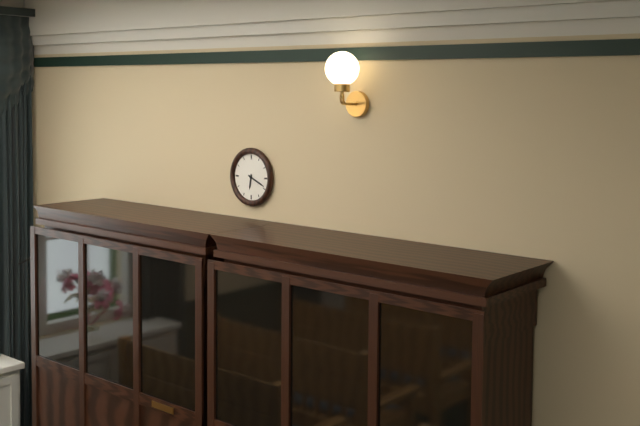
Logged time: 6.19
